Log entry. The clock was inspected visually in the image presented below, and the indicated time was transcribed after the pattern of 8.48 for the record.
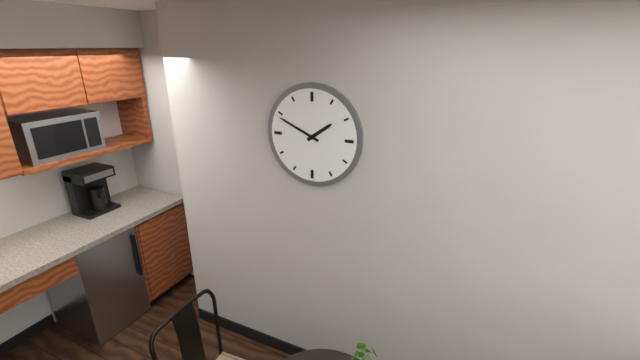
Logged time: 1.49
